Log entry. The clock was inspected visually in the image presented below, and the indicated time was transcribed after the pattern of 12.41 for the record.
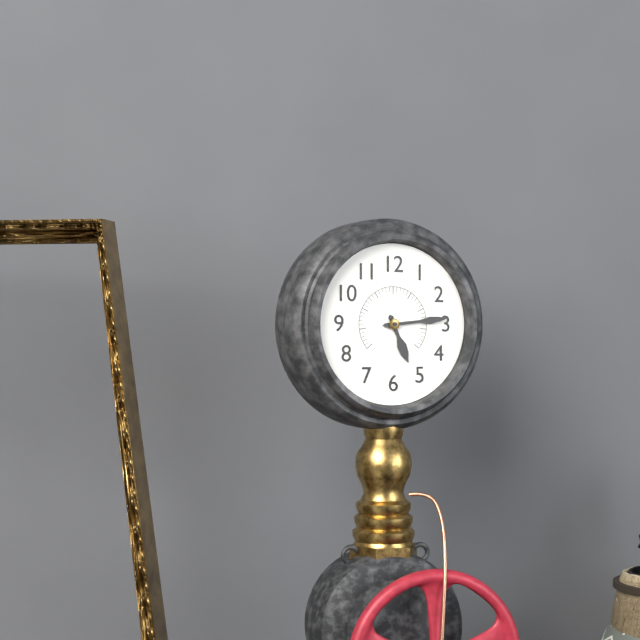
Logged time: 5.14
